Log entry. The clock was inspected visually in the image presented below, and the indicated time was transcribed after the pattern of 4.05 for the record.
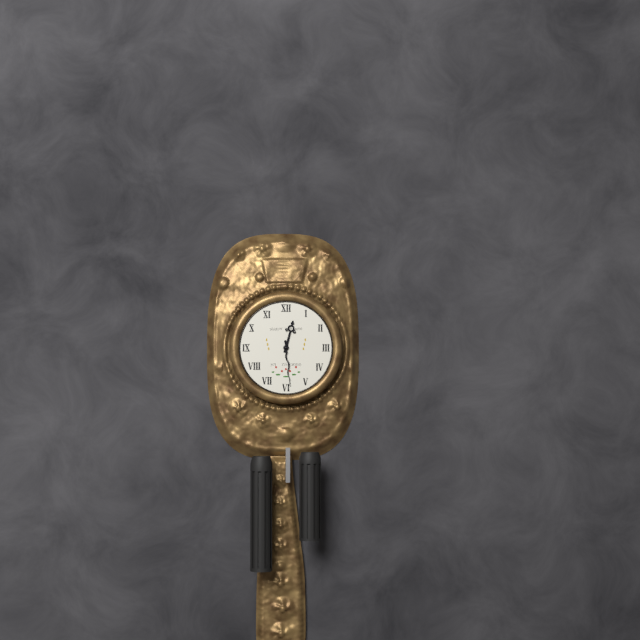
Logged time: 12.29
